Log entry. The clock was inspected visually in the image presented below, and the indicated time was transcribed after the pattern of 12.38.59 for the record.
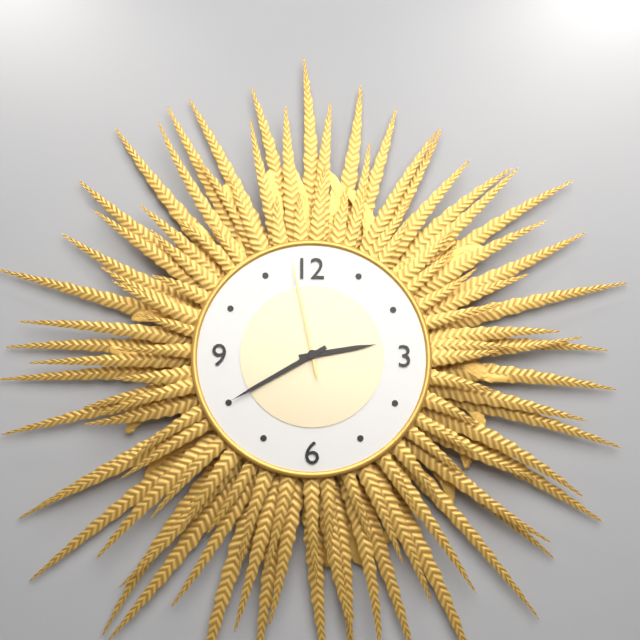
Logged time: 2.40.58
